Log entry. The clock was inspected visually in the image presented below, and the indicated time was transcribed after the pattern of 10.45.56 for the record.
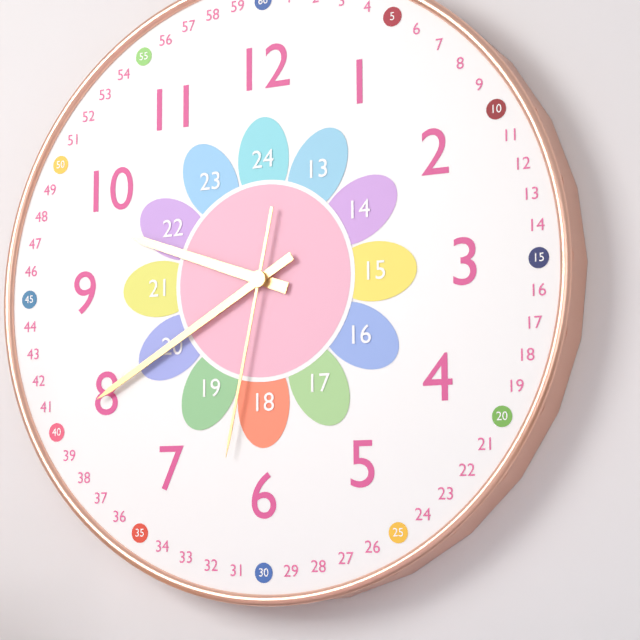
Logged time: 9.40.32
